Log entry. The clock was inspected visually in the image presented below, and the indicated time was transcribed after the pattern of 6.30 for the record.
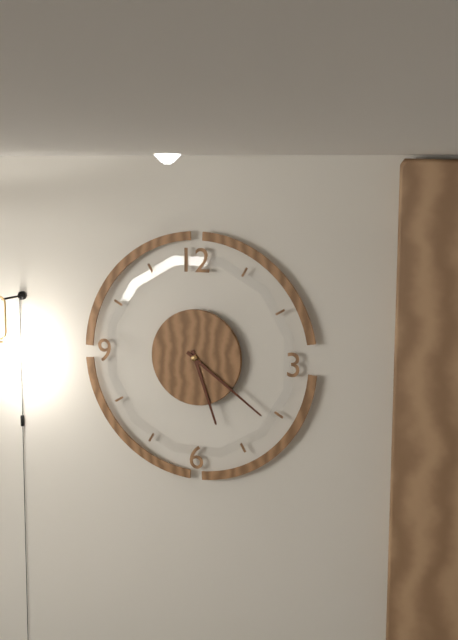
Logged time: 5.21
